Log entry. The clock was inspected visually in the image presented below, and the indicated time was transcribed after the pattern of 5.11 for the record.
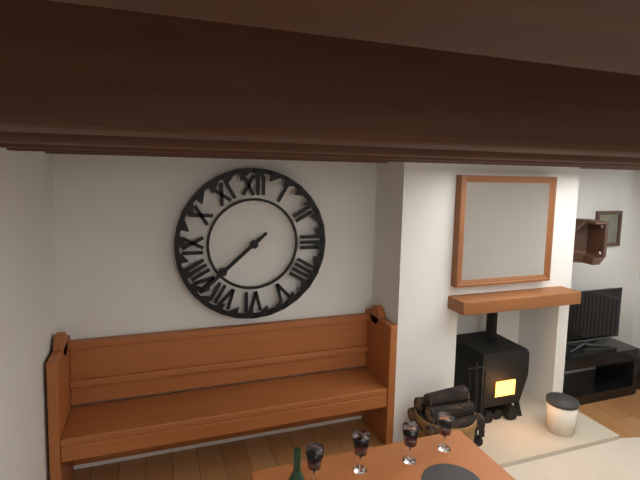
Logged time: 7.38
